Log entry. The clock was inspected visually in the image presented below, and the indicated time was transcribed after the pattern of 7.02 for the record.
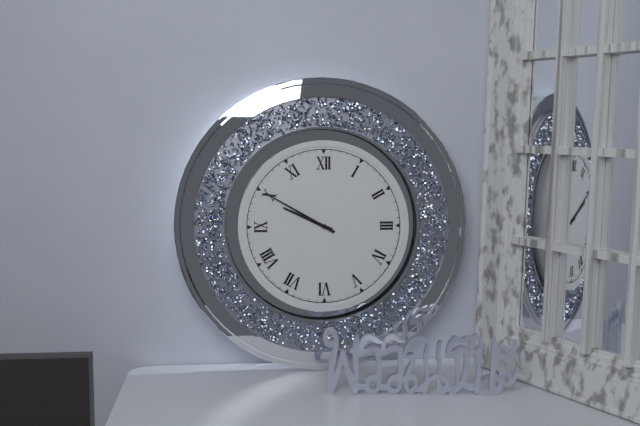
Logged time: 9.50
